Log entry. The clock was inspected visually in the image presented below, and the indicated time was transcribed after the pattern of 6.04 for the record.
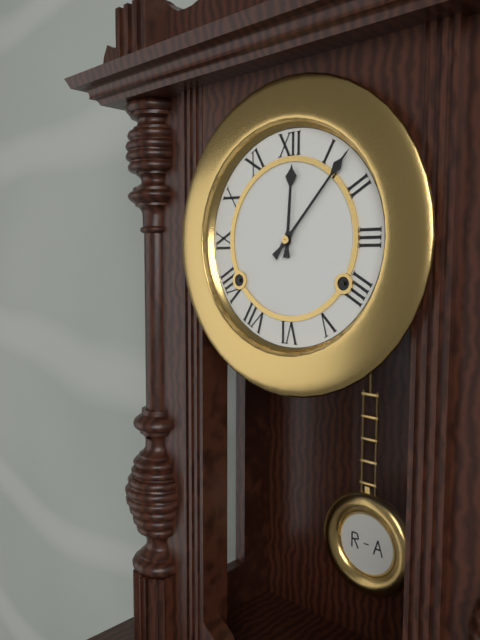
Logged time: 12.07
